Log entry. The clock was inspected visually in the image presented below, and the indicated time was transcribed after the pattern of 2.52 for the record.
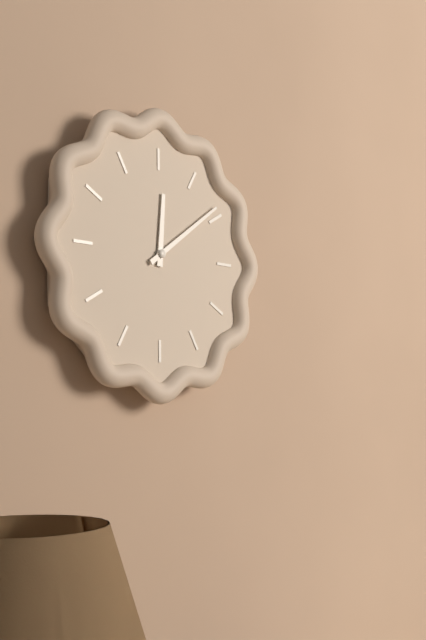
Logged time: 12.09
